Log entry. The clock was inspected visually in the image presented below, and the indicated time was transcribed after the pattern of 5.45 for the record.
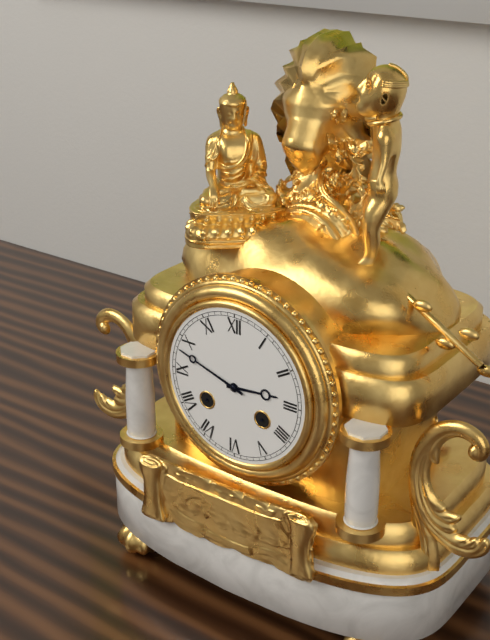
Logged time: 2.48
